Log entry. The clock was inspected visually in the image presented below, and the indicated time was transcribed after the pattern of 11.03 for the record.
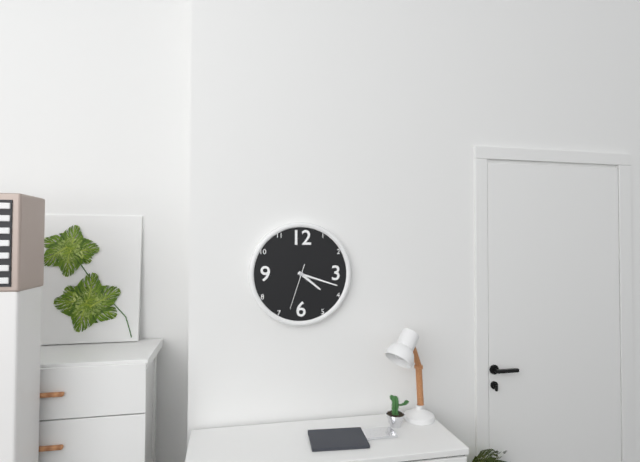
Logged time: 4.18
